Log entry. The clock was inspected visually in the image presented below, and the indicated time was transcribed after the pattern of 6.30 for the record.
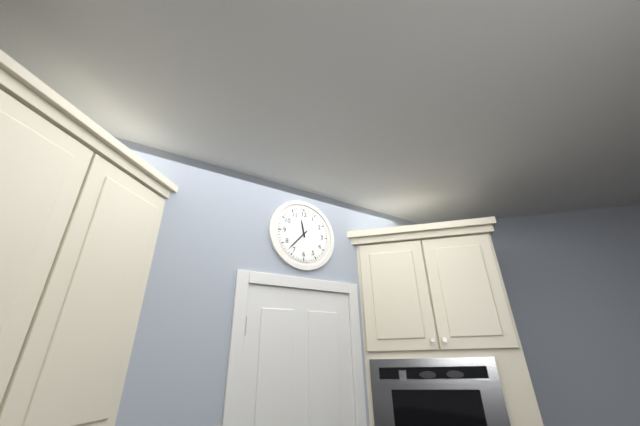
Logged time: 11.37
